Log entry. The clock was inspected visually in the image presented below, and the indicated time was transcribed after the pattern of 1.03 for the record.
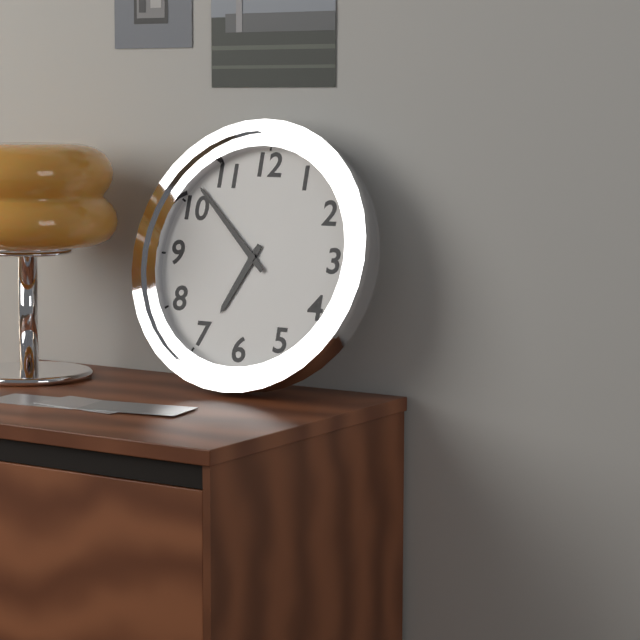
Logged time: 6.52
